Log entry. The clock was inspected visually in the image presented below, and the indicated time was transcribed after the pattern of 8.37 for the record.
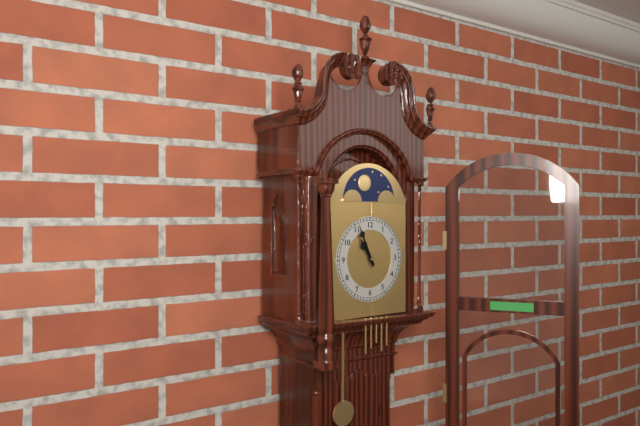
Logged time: 10.56
